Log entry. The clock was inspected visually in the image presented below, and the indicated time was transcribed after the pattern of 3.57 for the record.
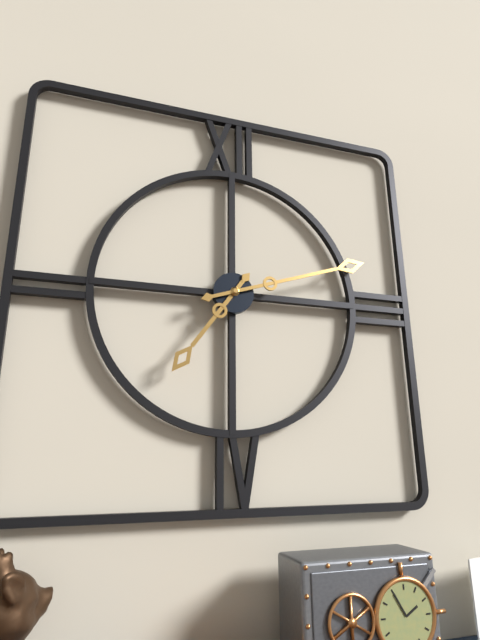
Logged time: 7.12
